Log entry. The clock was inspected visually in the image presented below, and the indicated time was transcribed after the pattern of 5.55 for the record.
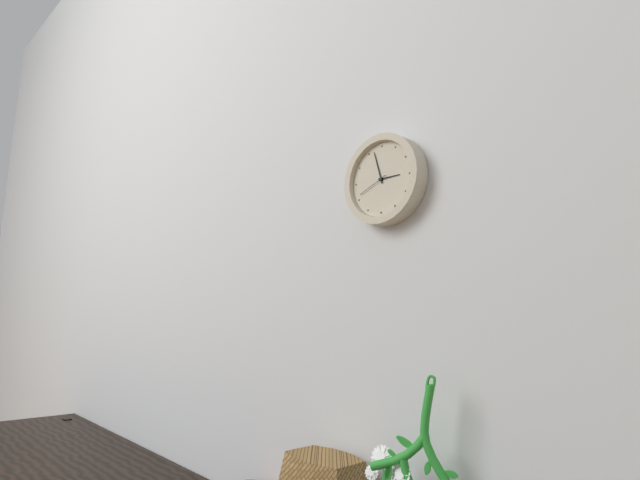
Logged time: 2.57
